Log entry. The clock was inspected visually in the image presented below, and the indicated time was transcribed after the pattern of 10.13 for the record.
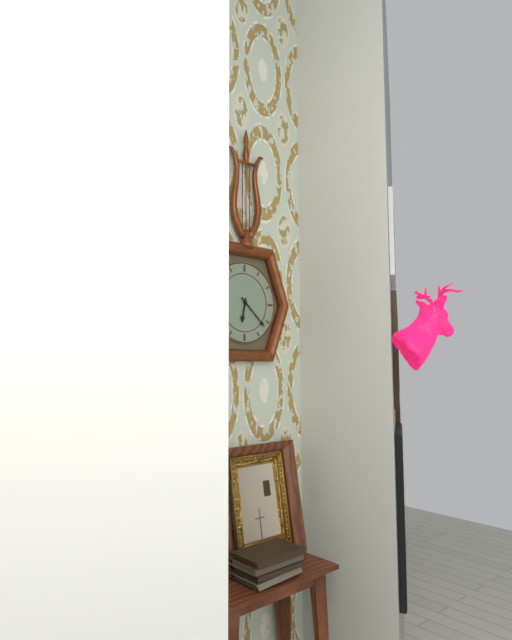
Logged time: 6.22
